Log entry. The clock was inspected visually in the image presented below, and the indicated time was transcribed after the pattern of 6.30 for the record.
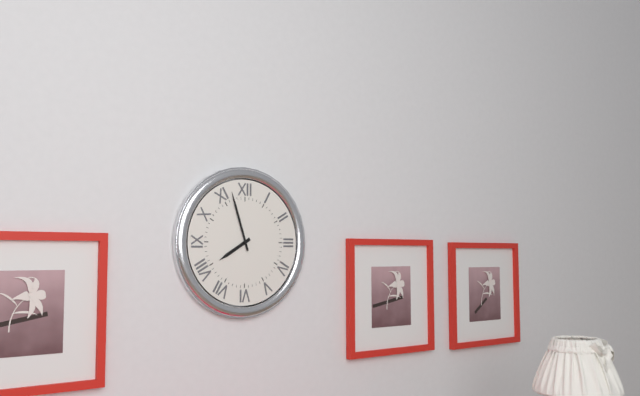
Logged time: 7.57
